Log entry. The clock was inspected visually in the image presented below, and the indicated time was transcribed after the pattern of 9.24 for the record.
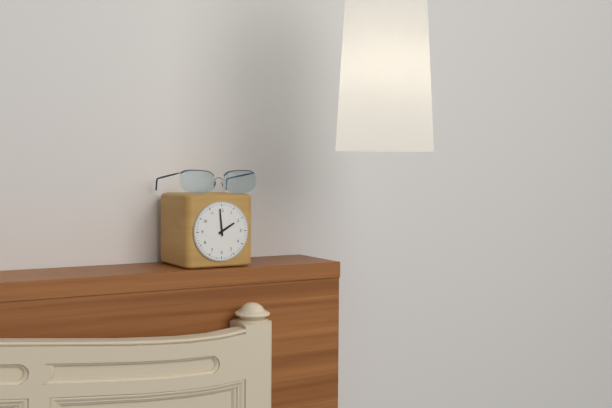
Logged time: 1.59
